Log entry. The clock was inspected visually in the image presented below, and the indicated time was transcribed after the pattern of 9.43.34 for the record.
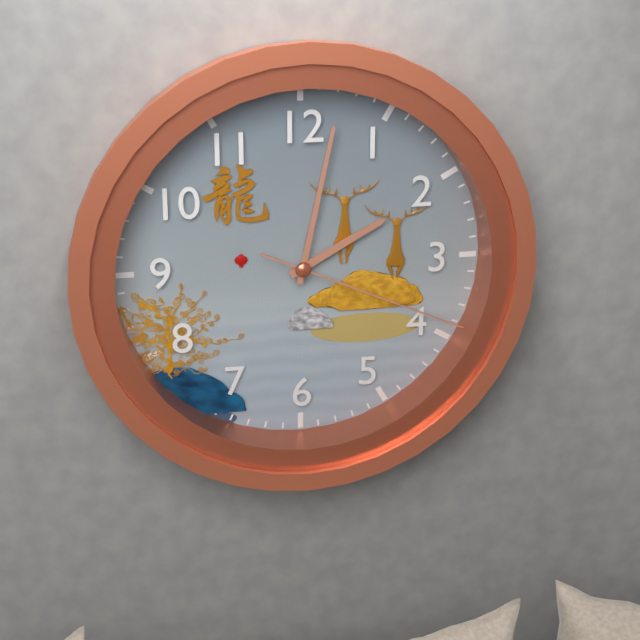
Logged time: 2.02.19
